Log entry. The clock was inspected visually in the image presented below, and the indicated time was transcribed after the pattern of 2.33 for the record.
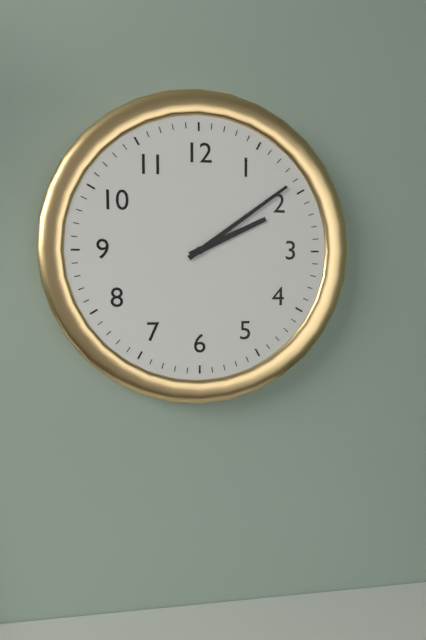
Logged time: 2.09
